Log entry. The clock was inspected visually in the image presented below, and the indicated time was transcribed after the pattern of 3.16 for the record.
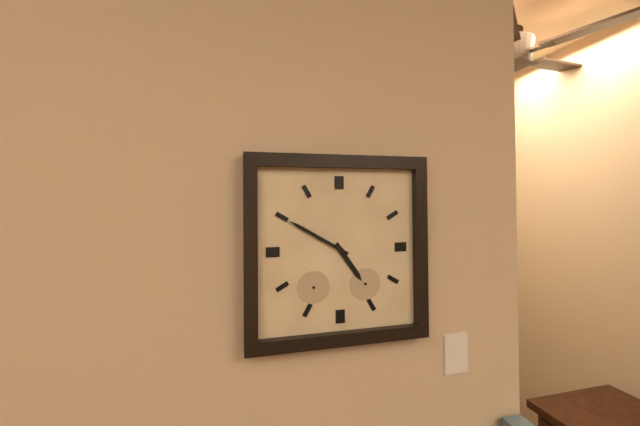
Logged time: 4.50
